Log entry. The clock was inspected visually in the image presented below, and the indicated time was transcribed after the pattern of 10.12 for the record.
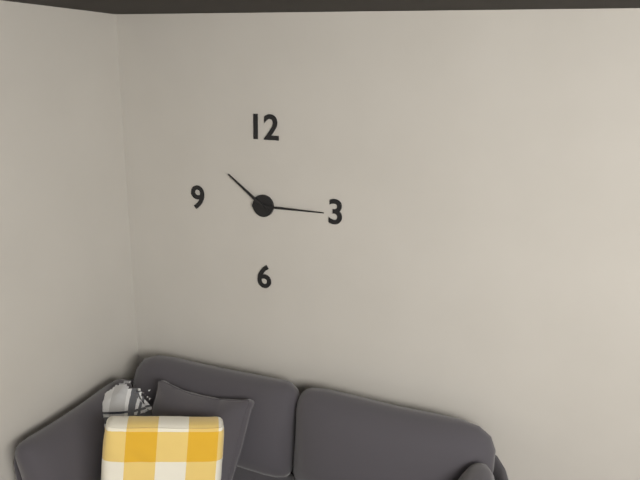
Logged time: 10.15
